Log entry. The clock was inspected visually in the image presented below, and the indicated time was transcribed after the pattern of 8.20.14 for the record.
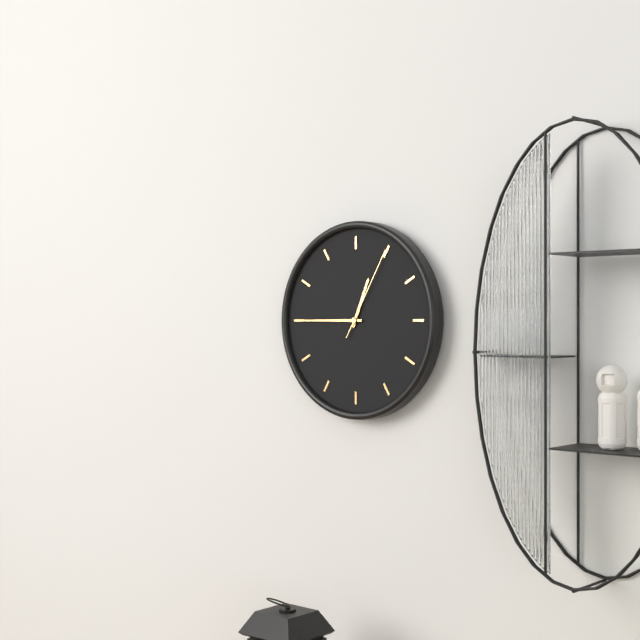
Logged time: 12.45.05
